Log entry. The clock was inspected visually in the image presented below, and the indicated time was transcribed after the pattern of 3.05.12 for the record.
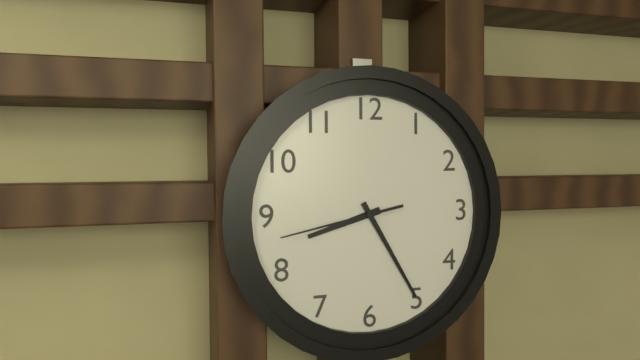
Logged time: 8.25.43
